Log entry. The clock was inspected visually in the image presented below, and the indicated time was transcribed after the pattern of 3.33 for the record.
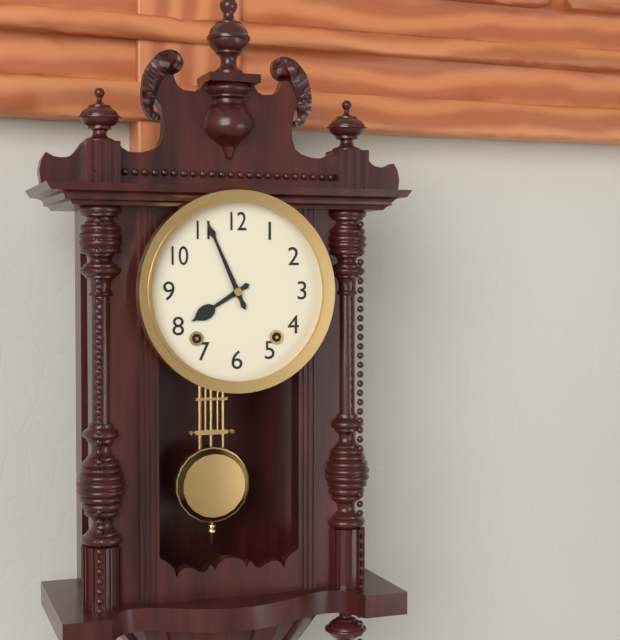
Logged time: 7.56
